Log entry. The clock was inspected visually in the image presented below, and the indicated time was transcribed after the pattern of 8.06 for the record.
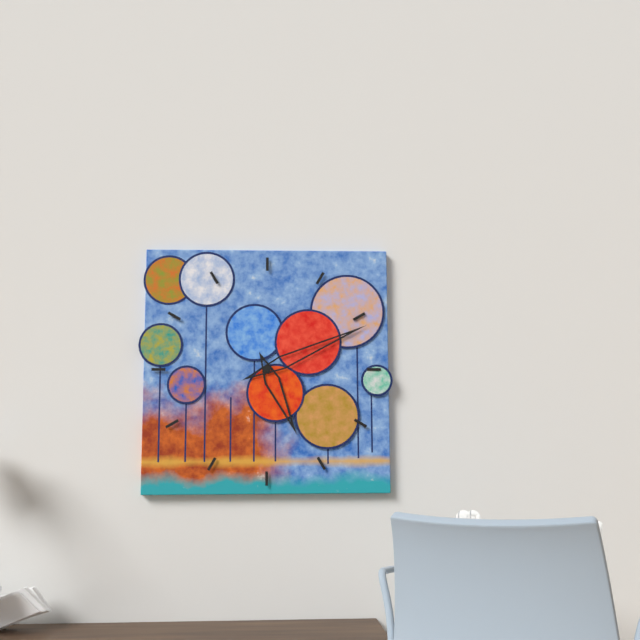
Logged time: 5.11
